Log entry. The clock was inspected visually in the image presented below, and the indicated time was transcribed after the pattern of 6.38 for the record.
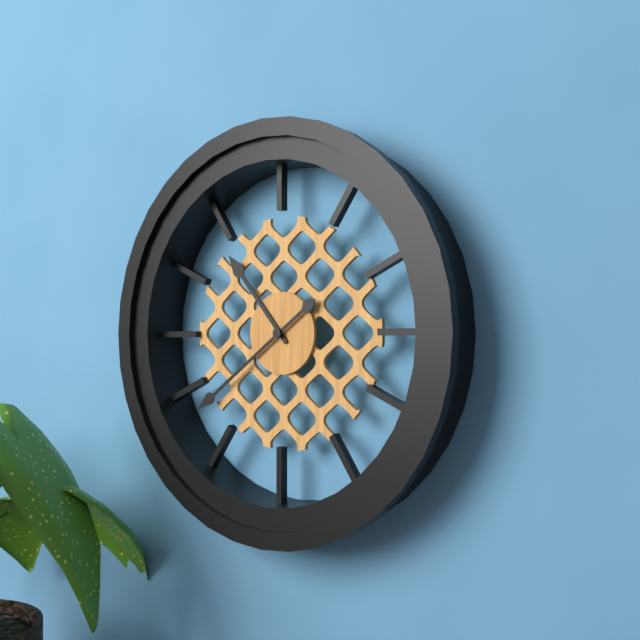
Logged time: 10.39
